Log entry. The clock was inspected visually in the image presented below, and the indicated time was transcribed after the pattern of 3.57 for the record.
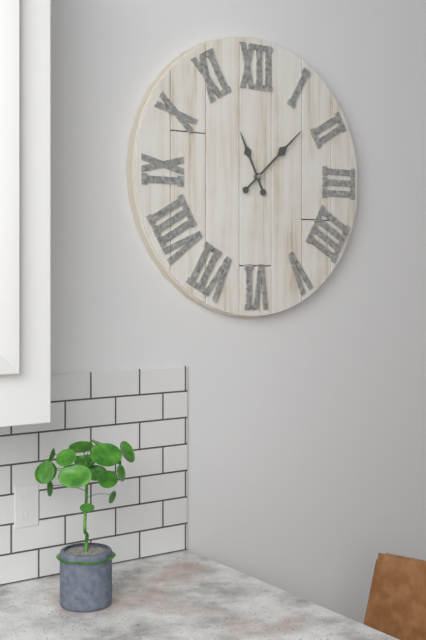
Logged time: 11.08
